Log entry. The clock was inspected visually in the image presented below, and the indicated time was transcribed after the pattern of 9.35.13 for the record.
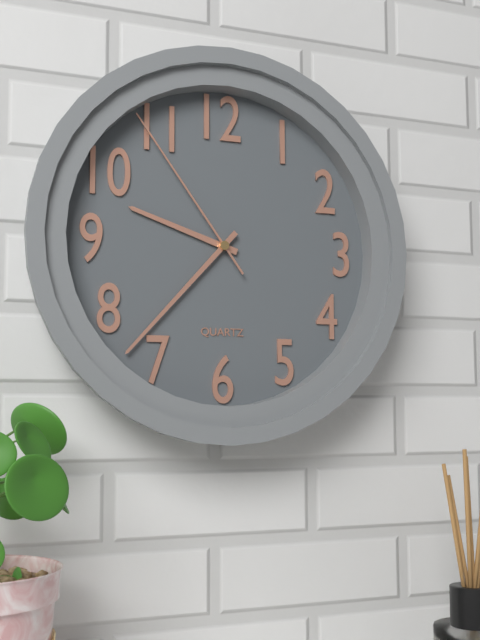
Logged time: 9.37.54
